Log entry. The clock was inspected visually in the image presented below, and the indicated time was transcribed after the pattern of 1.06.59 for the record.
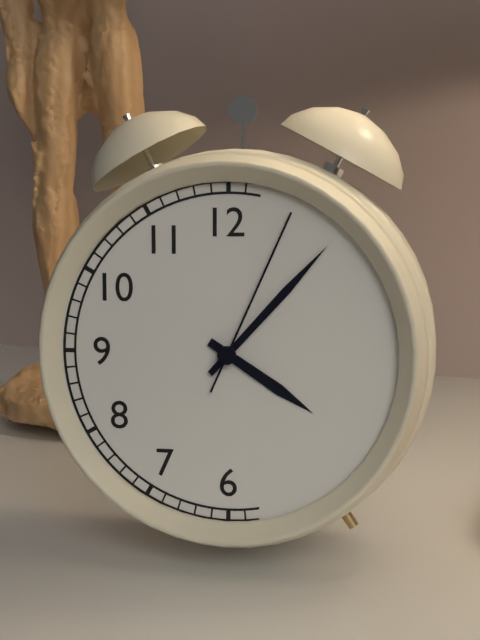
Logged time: 4.07.04
